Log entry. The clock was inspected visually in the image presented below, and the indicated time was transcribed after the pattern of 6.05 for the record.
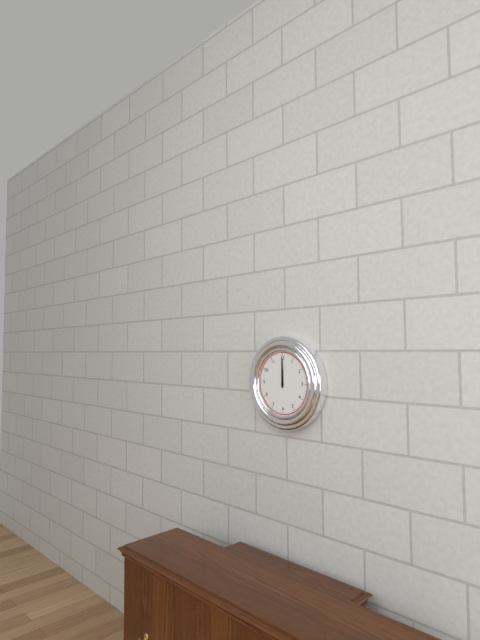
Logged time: 12.00
